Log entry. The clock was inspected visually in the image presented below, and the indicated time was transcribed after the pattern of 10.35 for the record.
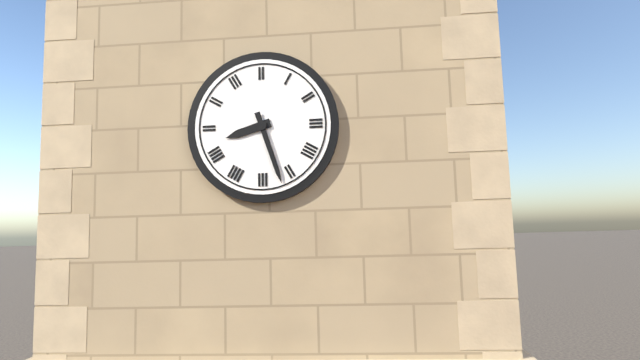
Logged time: 8.27
